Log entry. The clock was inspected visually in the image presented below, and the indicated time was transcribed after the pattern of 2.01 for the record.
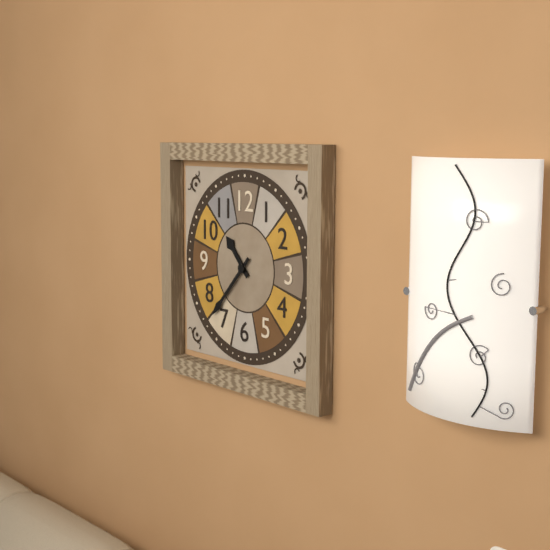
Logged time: 10.37
